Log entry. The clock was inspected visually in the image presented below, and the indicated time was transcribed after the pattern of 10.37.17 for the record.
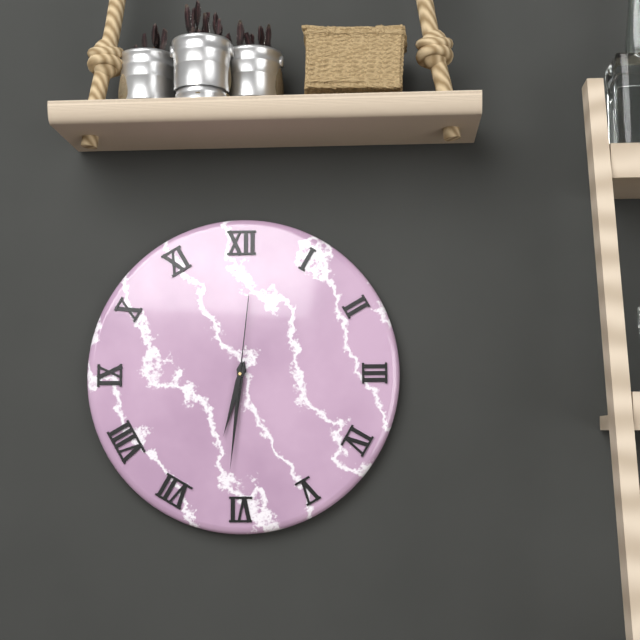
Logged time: 6.31.01
